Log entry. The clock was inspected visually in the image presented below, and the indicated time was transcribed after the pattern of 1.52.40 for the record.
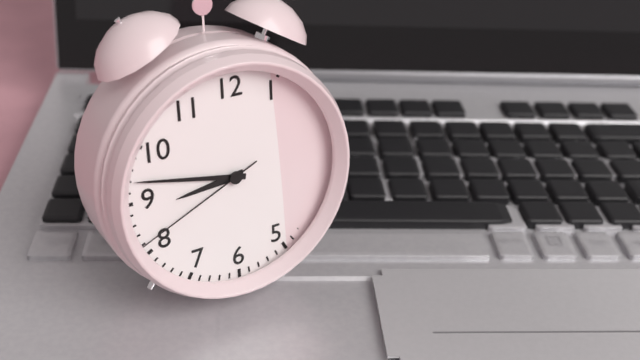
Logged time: 8.47.41
